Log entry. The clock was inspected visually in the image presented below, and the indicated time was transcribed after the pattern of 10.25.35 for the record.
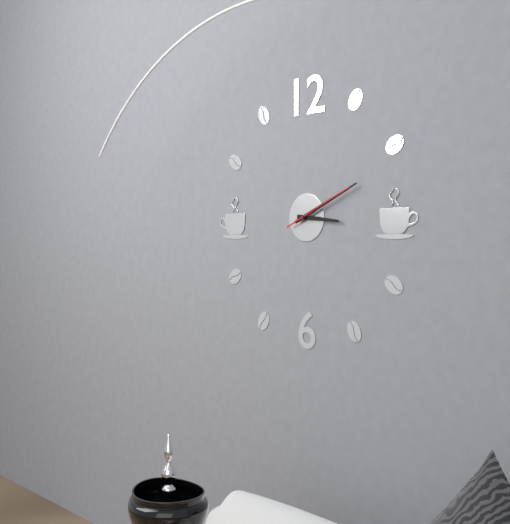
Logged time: 3.11.11
